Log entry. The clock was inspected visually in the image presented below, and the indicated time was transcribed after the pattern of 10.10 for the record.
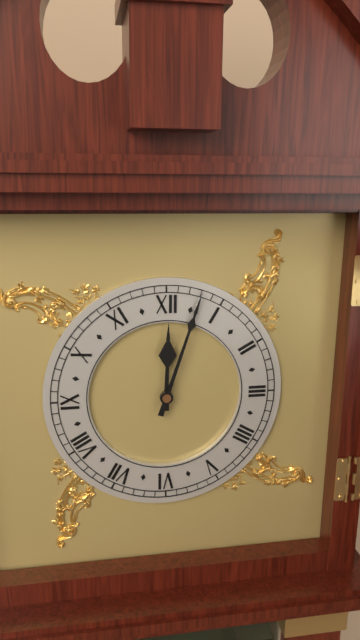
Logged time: 12.03
